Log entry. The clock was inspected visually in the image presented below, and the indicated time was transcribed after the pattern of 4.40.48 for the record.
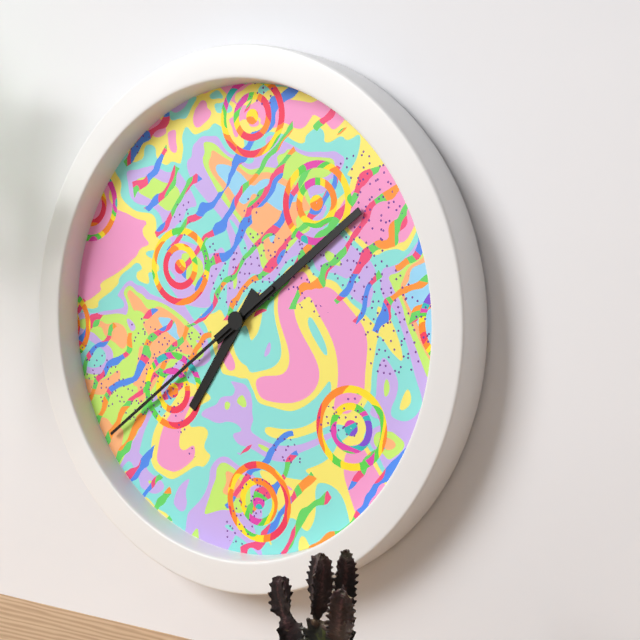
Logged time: 7.09.39
